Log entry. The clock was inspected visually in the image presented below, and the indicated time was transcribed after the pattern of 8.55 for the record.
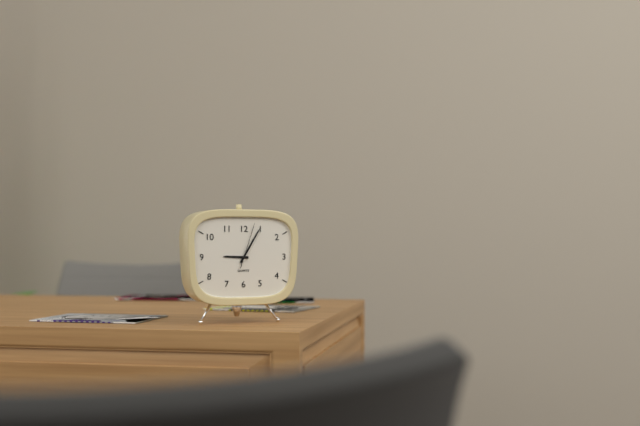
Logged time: 9.05
